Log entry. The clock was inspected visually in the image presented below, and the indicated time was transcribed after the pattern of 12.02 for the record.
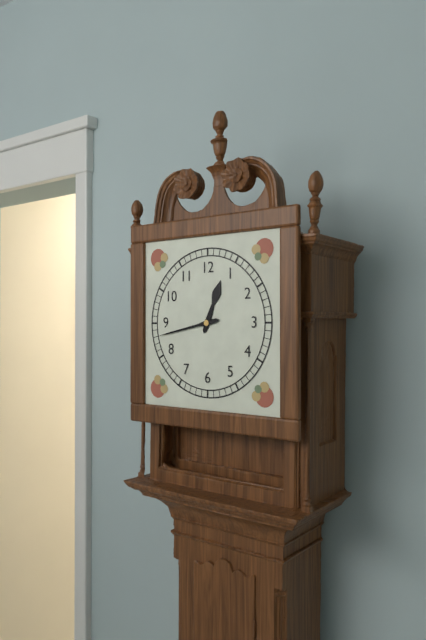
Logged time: 12.43
